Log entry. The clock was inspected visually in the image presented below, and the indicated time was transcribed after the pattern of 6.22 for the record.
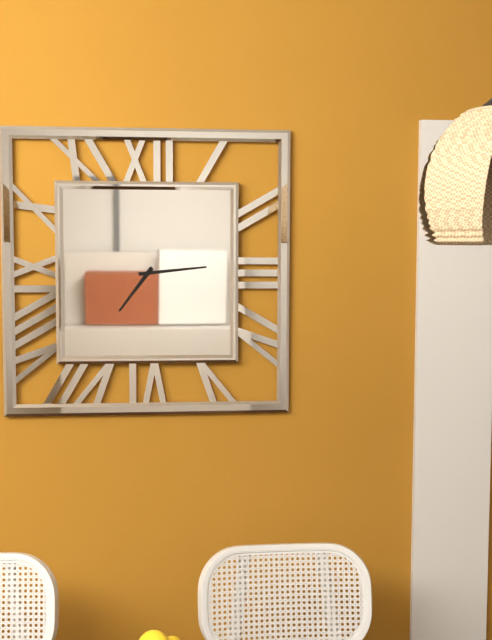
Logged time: 7.14
